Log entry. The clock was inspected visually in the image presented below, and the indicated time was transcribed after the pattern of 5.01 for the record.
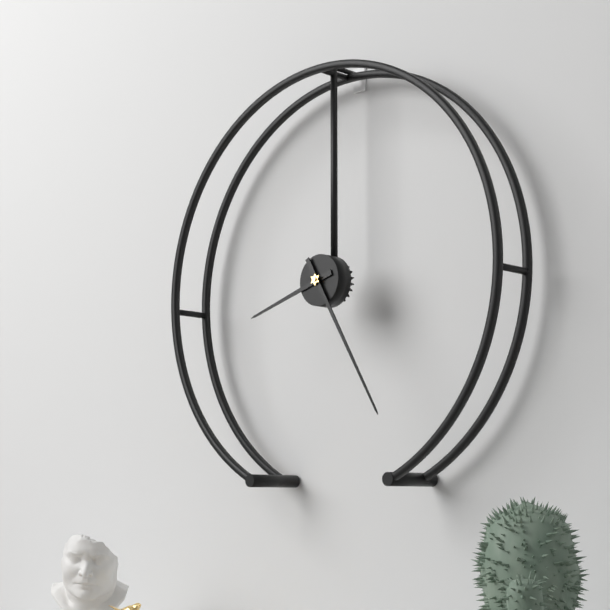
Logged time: 8.25
